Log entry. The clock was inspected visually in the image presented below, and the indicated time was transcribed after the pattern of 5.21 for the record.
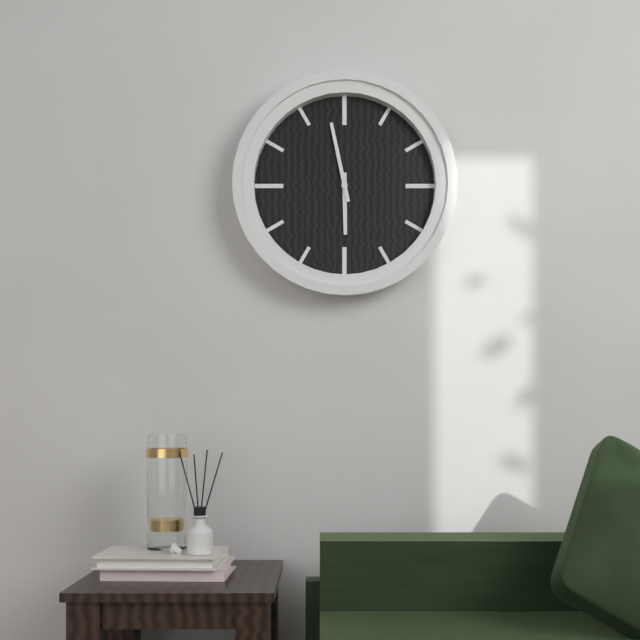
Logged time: 5.58
